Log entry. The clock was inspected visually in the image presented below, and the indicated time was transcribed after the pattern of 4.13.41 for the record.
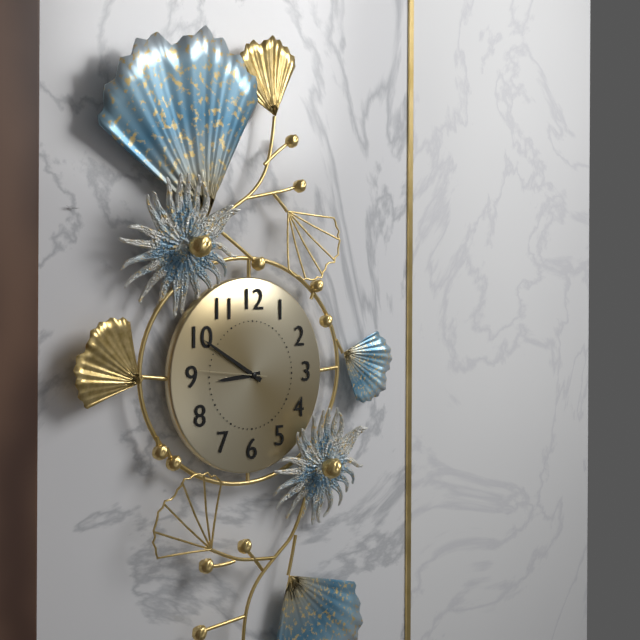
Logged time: 8.50.46
